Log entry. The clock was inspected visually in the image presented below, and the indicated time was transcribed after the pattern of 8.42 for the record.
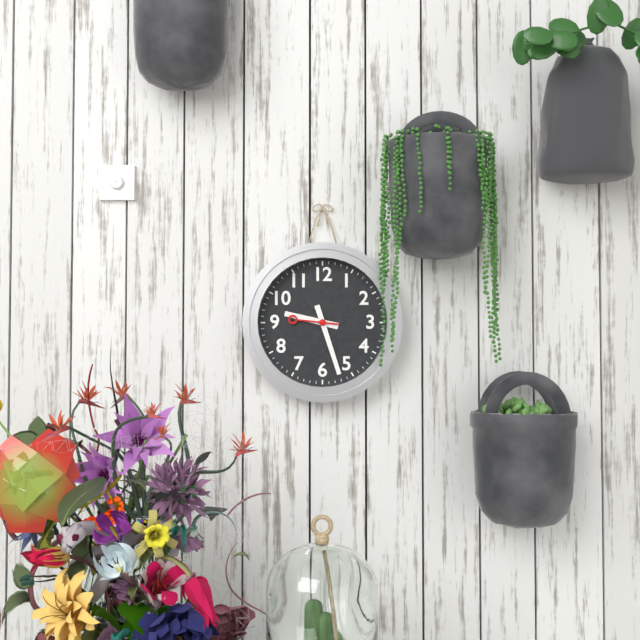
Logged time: 9.27
